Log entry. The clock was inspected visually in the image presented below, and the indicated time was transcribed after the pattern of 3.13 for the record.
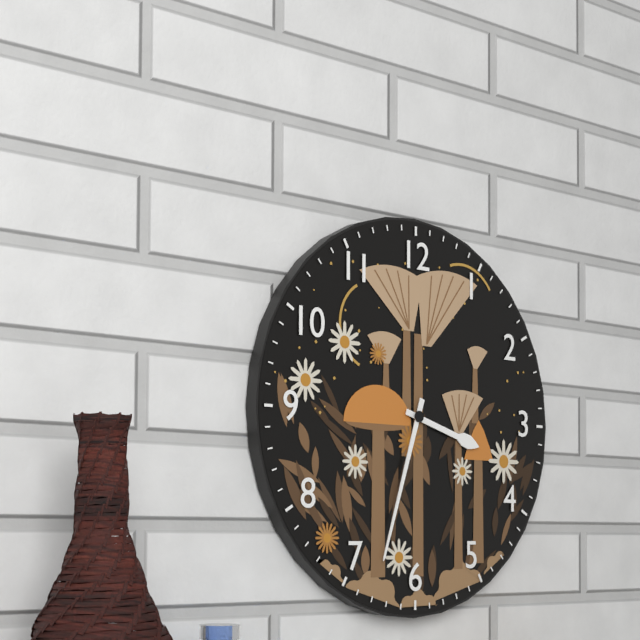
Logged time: 3.33
